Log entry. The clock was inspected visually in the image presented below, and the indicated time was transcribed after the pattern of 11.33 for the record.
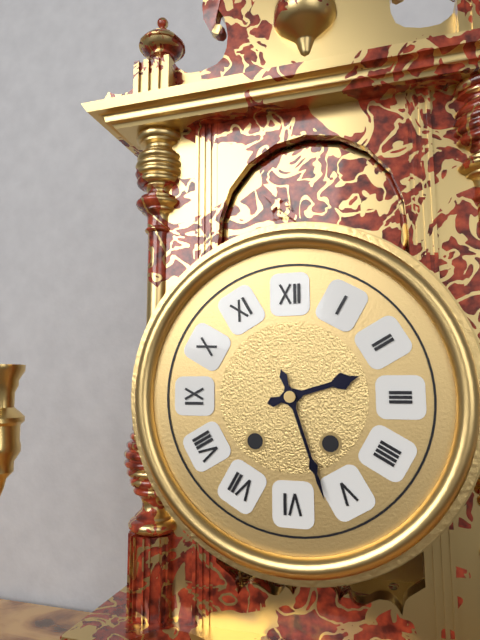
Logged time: 2.27
